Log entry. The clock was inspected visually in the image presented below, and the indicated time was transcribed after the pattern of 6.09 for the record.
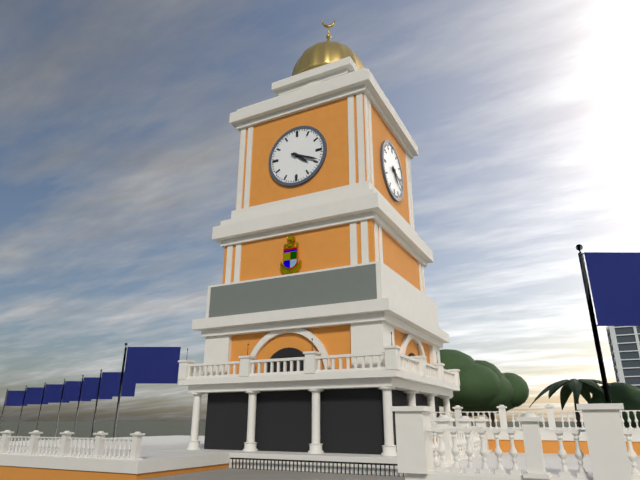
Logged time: 4.19
